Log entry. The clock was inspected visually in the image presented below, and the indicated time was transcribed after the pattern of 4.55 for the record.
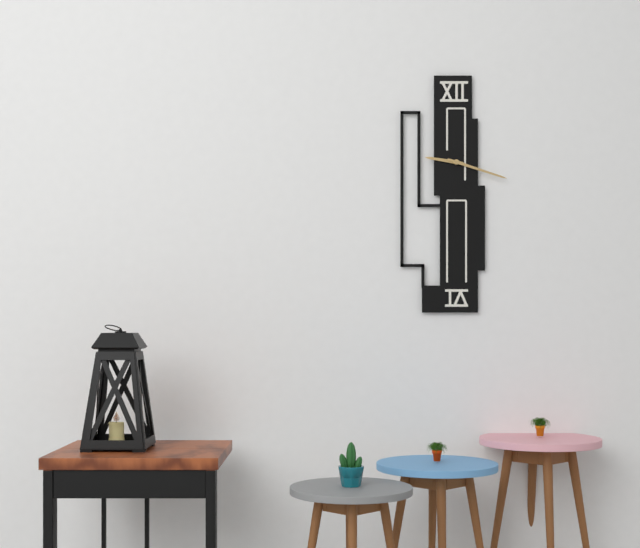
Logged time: 9.18
